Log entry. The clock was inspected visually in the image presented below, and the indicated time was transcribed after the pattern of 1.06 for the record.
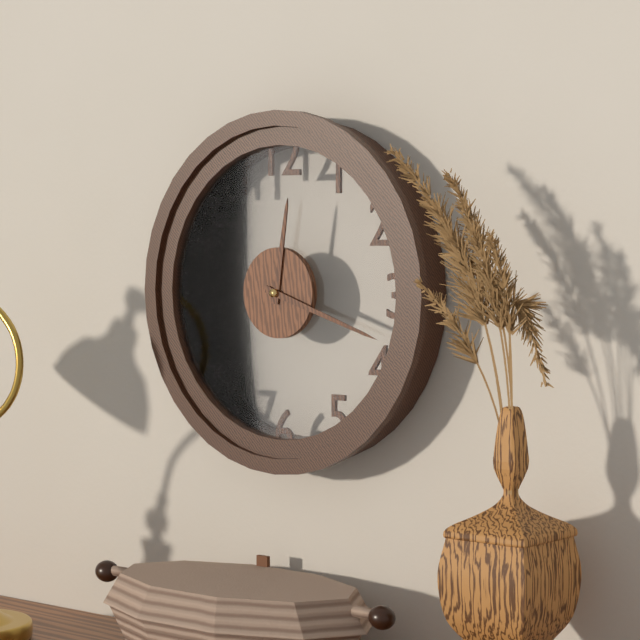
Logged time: 12.18
